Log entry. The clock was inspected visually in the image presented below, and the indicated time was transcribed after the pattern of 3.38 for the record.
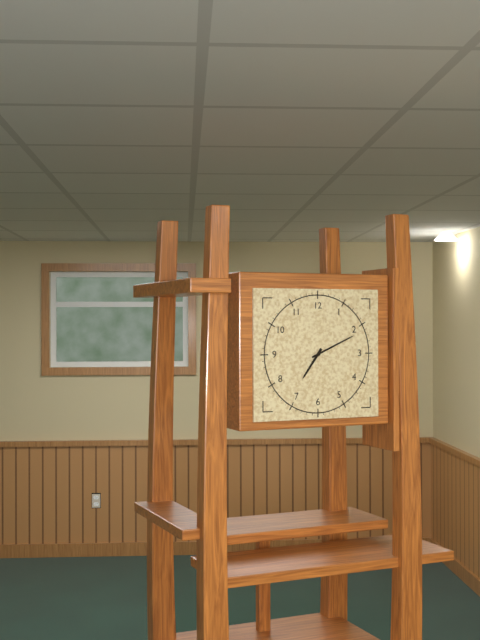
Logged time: 7.11
